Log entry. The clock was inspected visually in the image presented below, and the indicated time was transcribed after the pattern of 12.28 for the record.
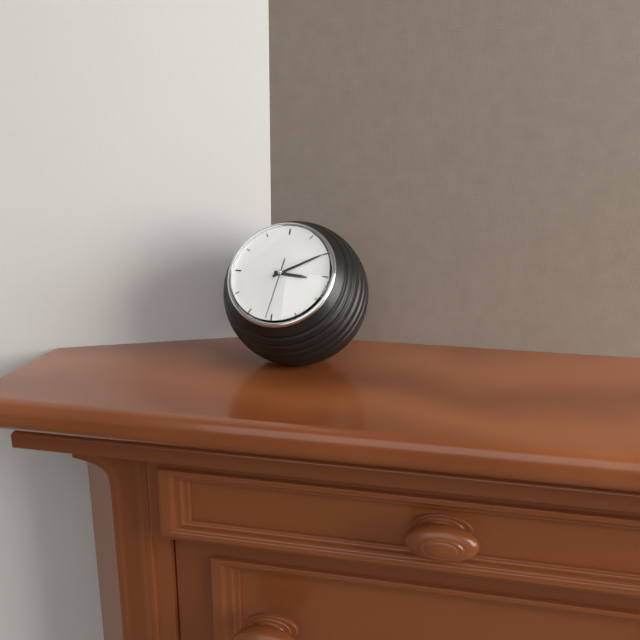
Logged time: 3.10
